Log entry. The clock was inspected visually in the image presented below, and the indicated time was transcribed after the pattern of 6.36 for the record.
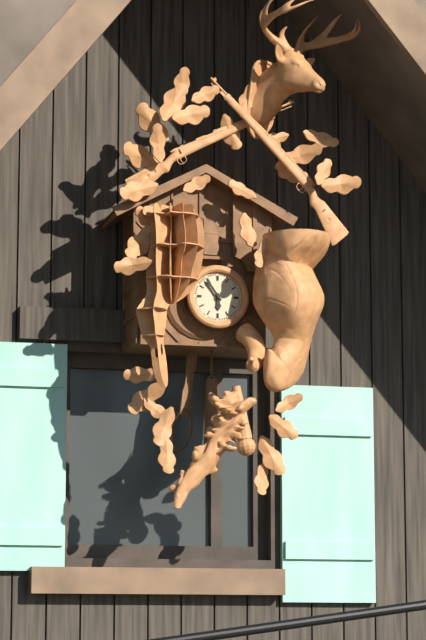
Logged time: 5.54
